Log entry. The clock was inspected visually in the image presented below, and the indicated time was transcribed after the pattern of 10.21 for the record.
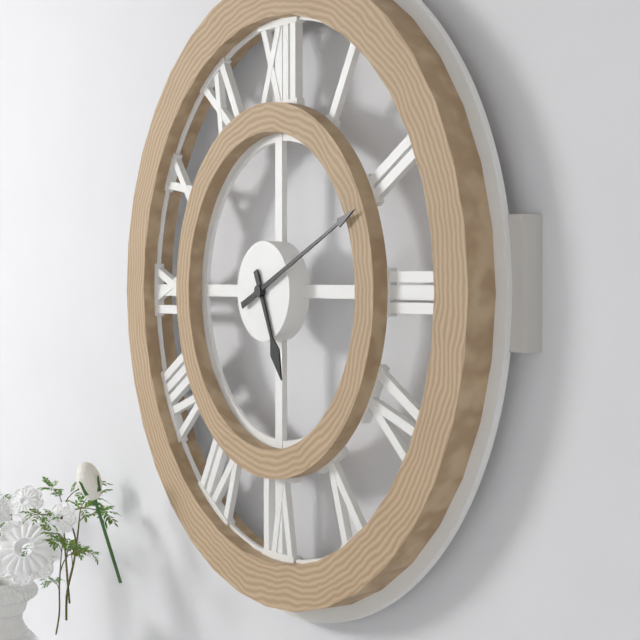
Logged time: 5.11
